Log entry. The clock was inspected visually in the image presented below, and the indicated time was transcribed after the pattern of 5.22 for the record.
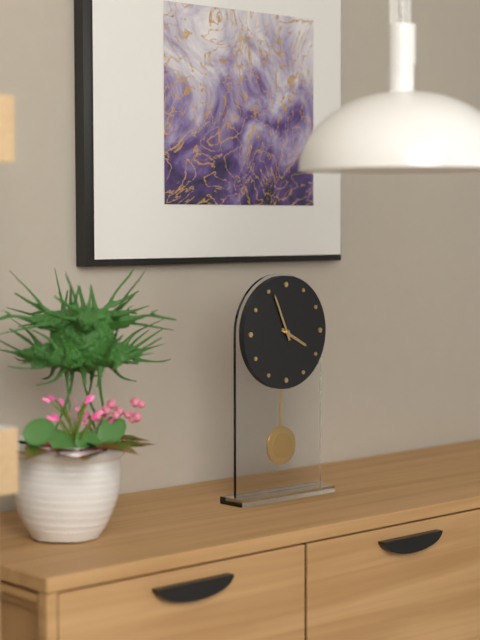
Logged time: 3.56
